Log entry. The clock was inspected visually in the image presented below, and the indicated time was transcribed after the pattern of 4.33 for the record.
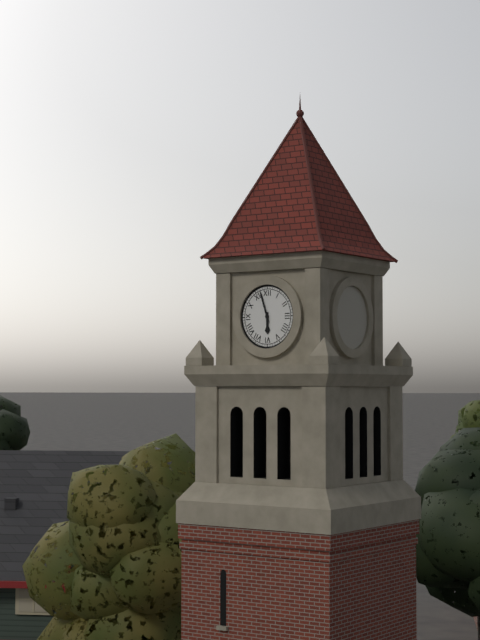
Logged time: 5.57
